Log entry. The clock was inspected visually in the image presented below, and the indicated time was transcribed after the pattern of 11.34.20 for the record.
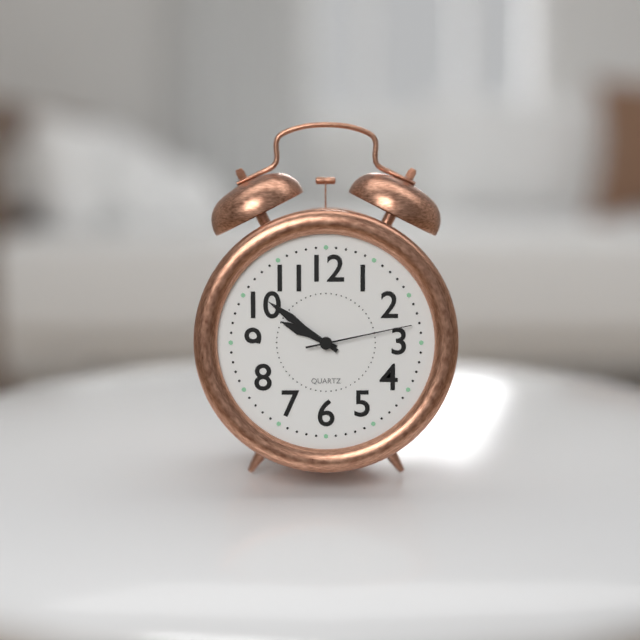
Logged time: 9.51.13
